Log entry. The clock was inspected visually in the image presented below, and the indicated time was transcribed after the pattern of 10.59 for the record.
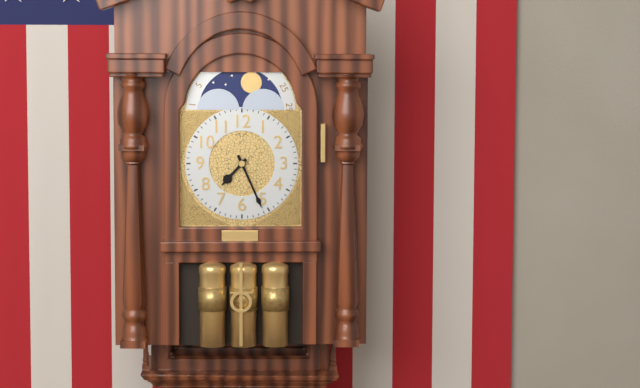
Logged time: 7.26
